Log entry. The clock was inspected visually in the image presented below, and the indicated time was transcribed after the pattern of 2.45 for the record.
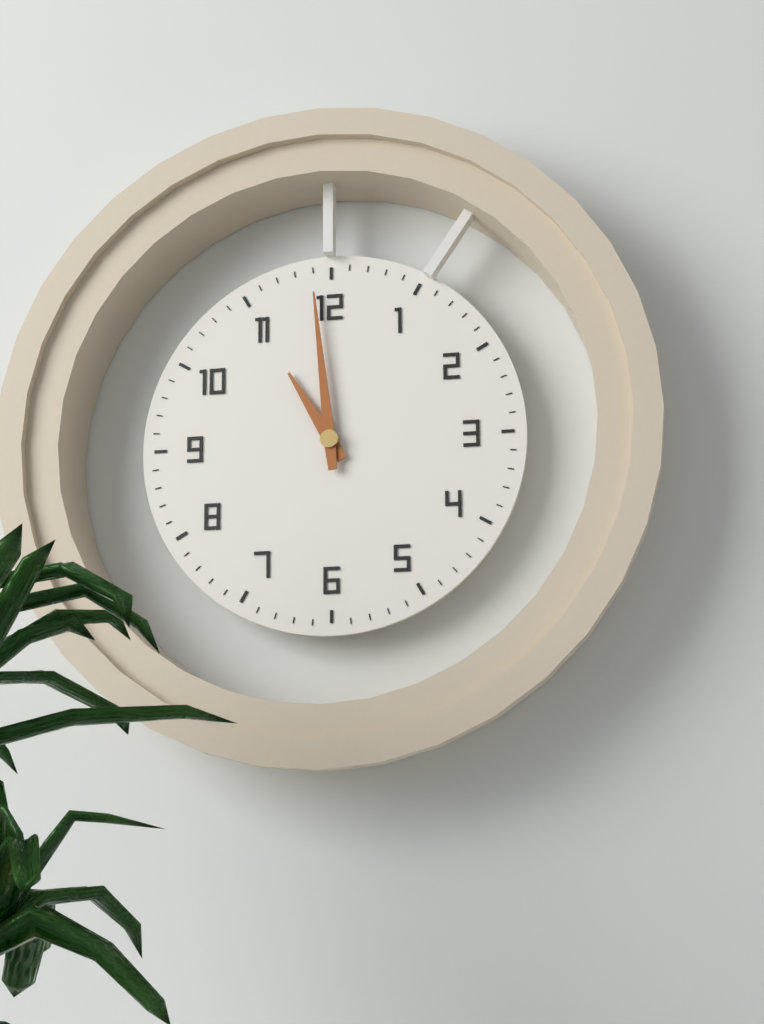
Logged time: 10.59
